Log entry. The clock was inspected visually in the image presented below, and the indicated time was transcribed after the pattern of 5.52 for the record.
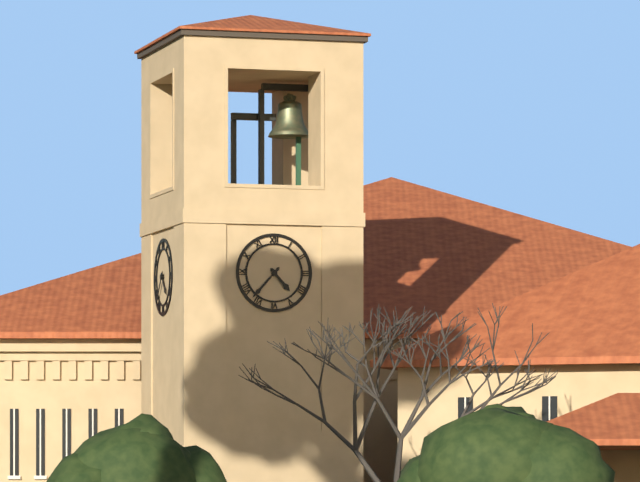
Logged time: 4.37
